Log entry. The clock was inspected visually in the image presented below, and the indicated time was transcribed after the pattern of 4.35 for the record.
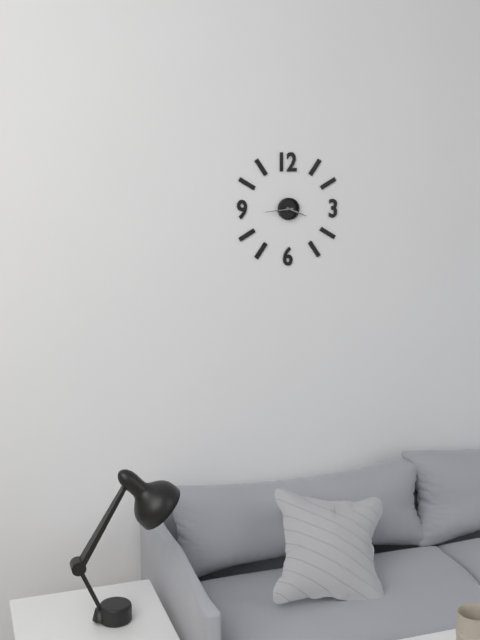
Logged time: 3.44
